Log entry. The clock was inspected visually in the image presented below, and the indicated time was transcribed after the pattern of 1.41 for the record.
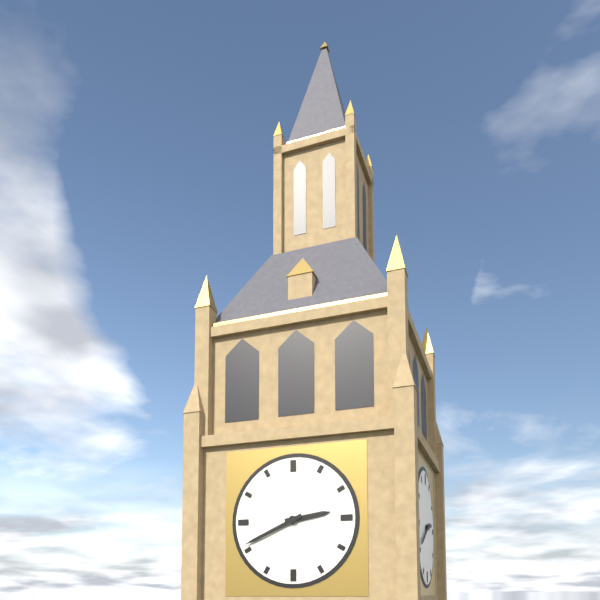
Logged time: 2.41
